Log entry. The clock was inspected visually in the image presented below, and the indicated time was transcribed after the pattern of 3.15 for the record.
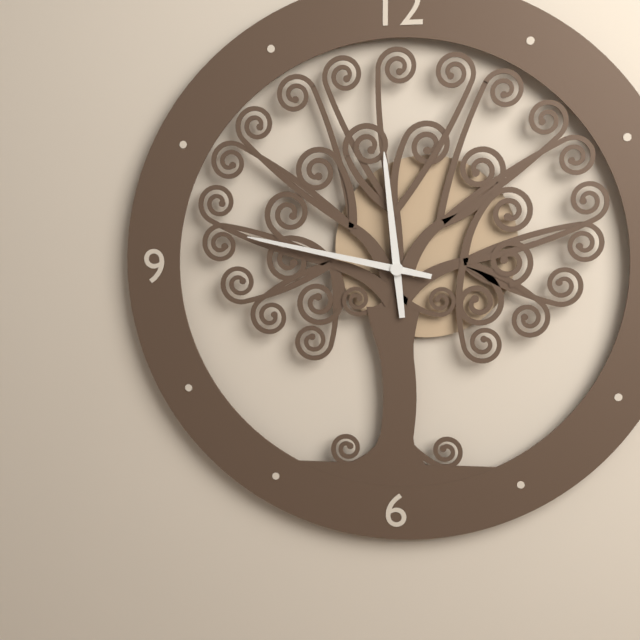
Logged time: 11.47
